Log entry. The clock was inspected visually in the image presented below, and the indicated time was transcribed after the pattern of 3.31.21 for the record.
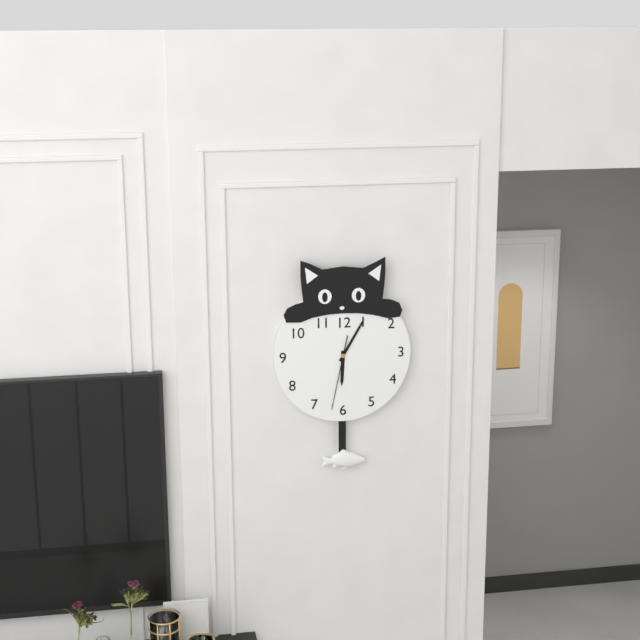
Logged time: 6.05.32
